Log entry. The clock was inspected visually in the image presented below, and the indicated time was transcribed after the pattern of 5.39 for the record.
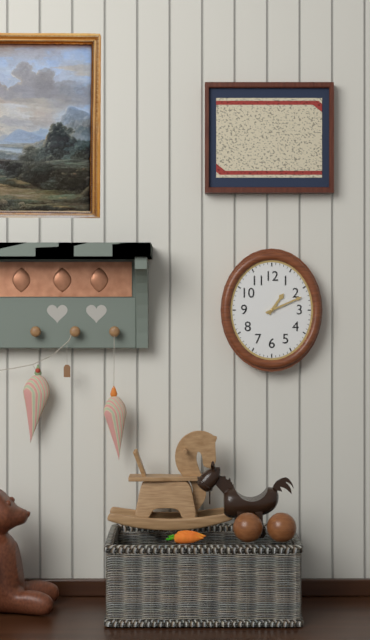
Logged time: 1.11
